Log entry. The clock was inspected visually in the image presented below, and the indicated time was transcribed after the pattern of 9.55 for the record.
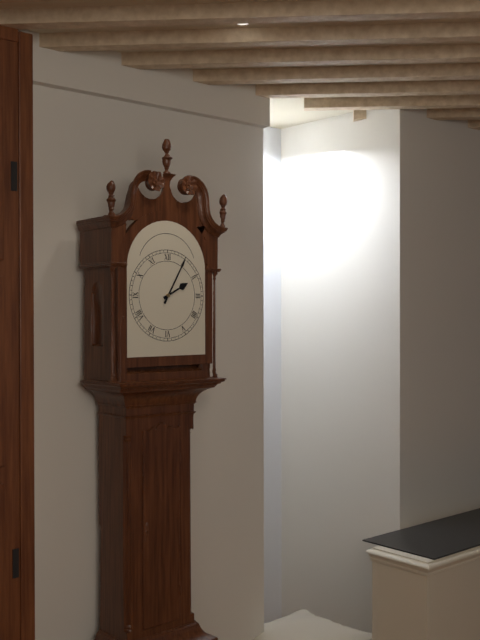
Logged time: 2.05
